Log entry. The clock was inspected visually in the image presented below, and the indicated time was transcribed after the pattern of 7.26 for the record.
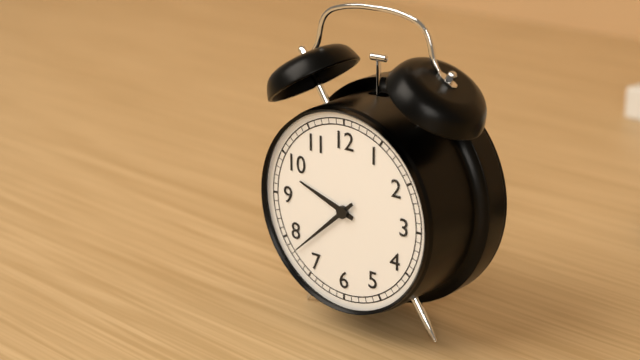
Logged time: 9.38
